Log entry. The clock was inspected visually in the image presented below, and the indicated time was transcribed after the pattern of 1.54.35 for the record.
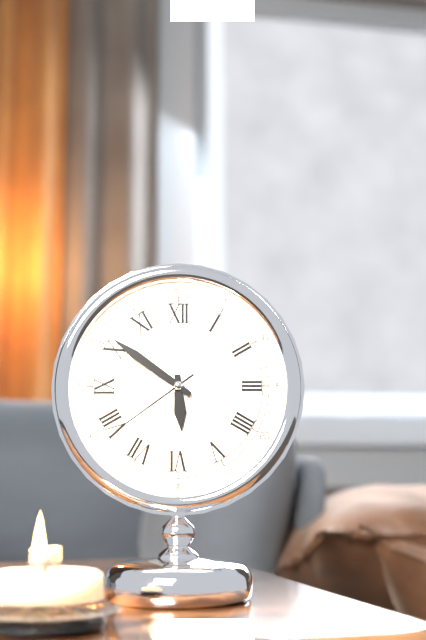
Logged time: 5.51.39
